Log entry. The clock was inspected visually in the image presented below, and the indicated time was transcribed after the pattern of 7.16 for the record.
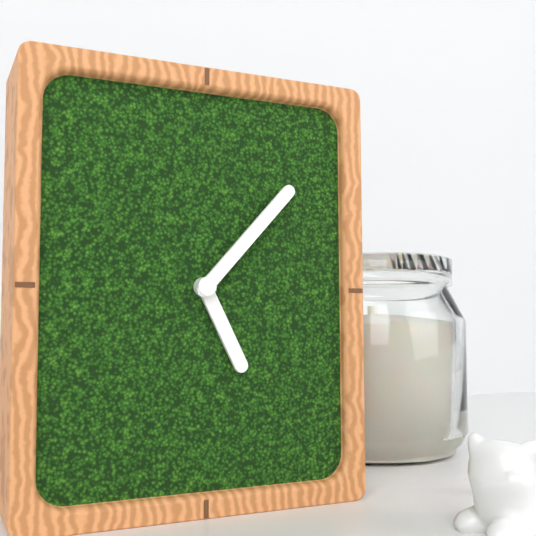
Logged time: 5.07
